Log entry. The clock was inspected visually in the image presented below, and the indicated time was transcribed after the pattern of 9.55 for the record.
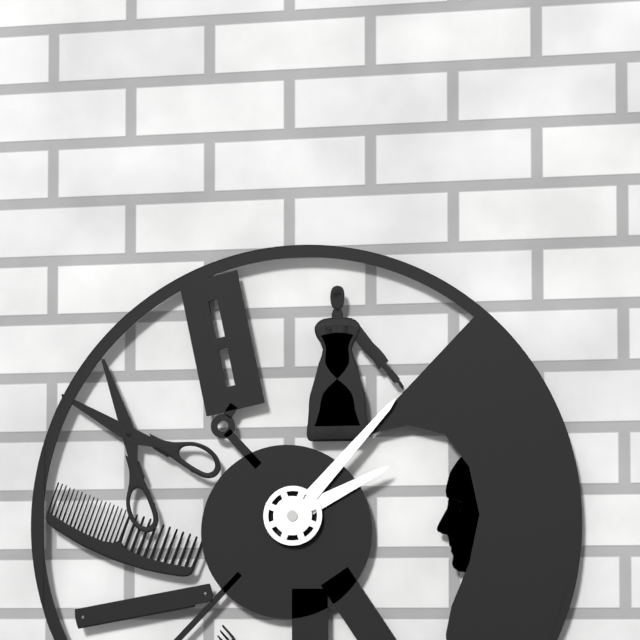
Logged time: 2.07
